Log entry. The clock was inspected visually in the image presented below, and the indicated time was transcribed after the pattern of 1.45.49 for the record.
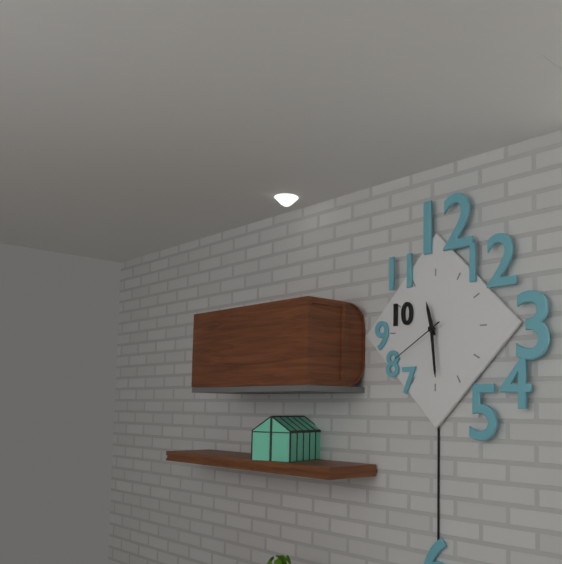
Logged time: 11.29.40
